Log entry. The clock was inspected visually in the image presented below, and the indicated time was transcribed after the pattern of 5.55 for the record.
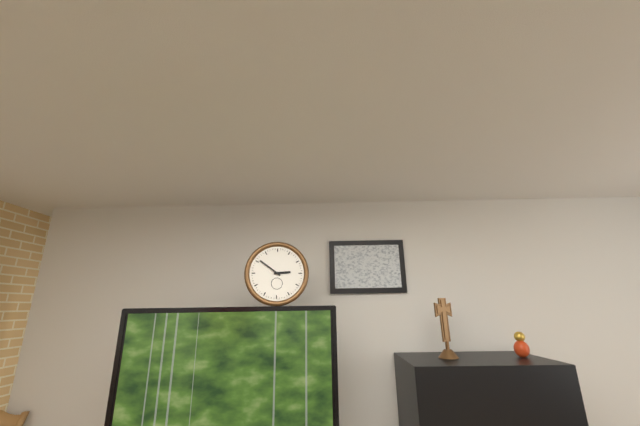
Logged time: 2.51
